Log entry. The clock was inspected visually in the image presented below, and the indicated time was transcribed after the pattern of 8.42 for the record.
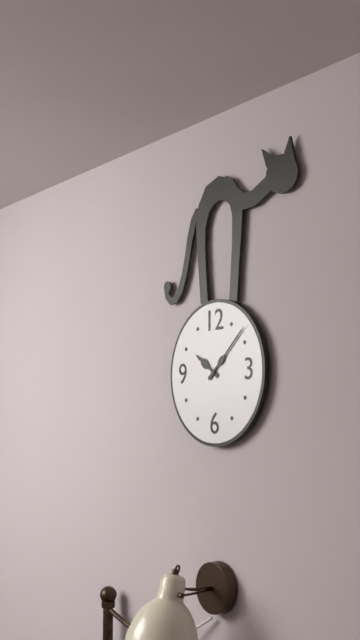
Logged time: 10.08
